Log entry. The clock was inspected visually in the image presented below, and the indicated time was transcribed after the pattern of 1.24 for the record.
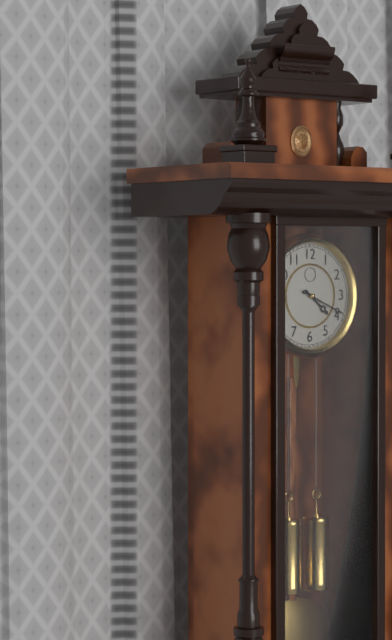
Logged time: 4.19
